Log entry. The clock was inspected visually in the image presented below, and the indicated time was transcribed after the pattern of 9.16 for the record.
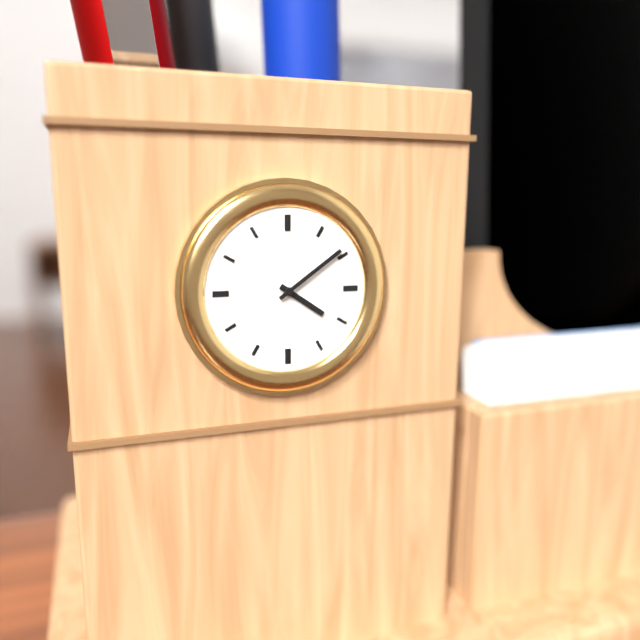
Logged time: 4.09
